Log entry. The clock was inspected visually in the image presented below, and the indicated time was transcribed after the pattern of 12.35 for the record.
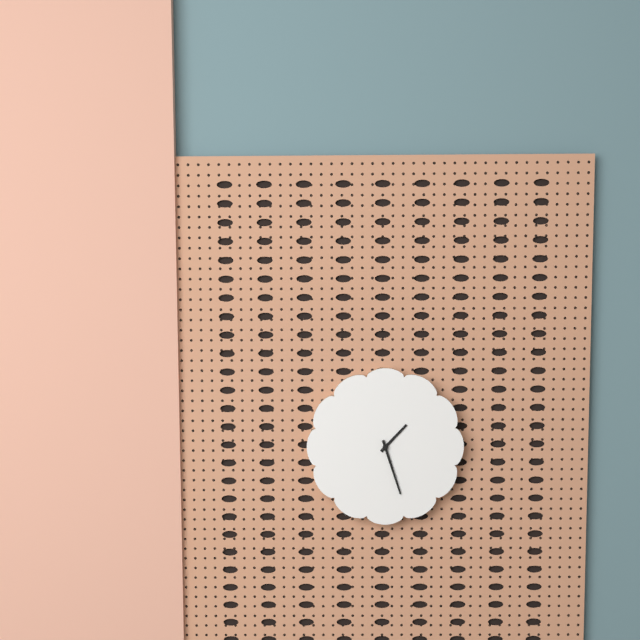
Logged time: 1.27
